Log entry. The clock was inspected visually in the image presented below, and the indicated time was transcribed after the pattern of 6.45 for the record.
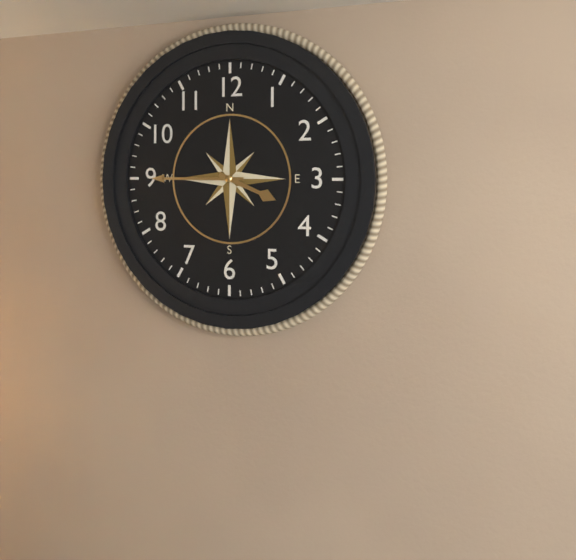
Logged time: 3.45
